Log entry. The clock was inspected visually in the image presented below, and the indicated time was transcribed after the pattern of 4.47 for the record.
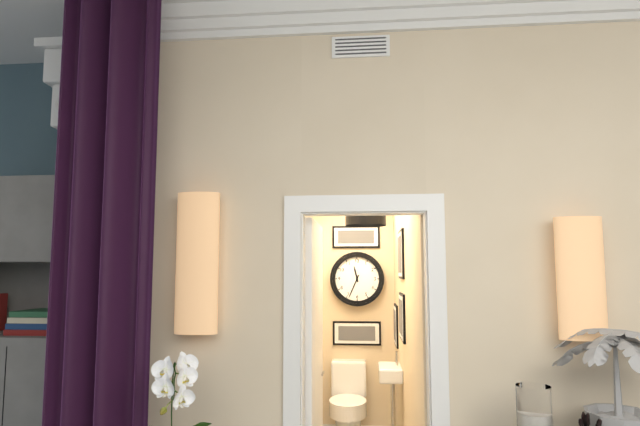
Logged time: 11.34
